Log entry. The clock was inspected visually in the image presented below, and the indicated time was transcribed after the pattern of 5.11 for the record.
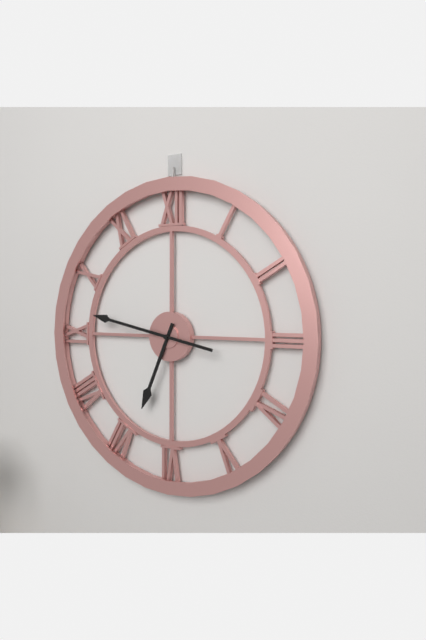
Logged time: 6.47
